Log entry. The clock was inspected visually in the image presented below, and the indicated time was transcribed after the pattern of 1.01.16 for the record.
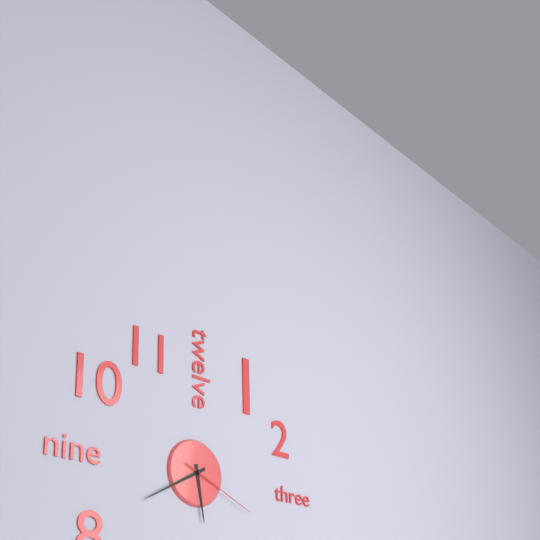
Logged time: 5.40.19
